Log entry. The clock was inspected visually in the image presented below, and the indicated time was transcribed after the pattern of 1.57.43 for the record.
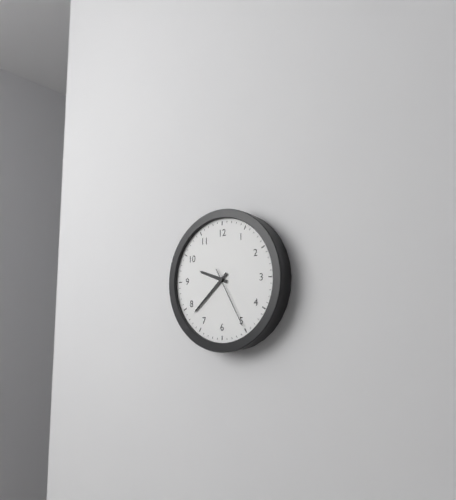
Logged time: 9.38.25
